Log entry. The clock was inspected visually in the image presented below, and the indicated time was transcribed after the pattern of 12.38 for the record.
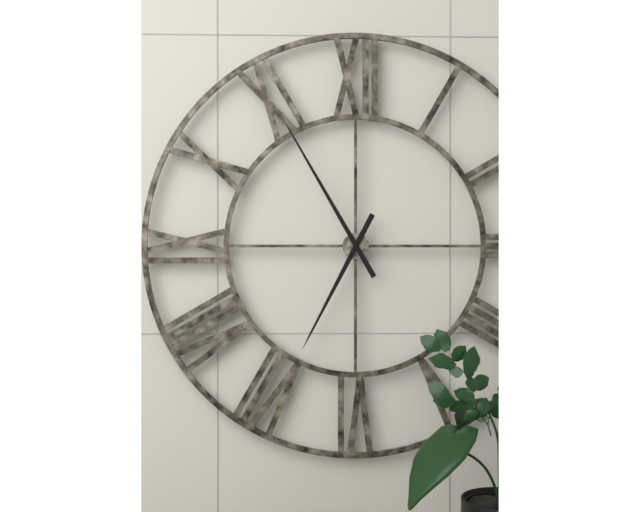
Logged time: 6.55
